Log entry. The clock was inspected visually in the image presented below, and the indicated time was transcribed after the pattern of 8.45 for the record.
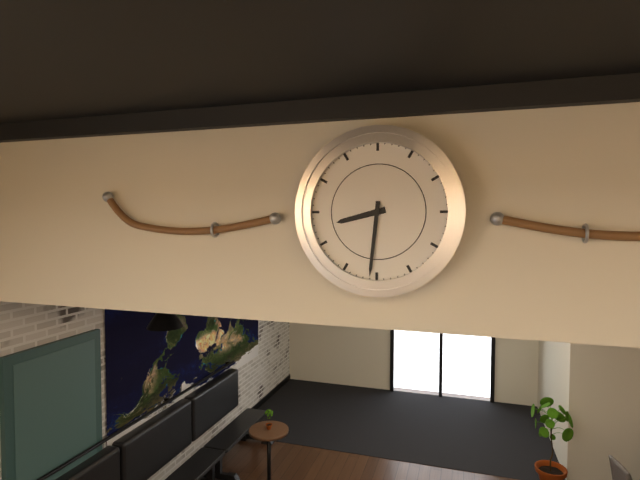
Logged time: 8.31
